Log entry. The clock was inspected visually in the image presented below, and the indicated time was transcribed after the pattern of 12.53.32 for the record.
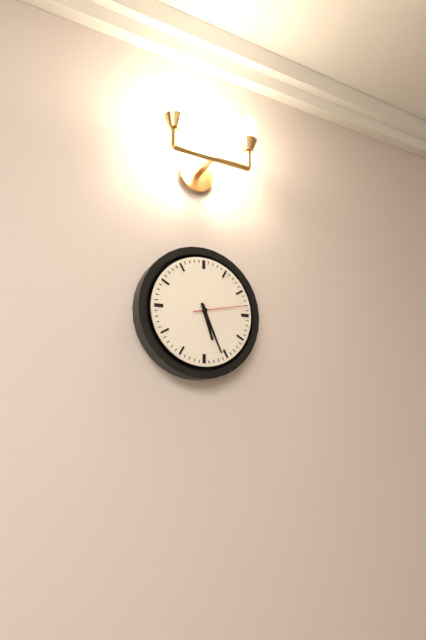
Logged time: 5.26.13
